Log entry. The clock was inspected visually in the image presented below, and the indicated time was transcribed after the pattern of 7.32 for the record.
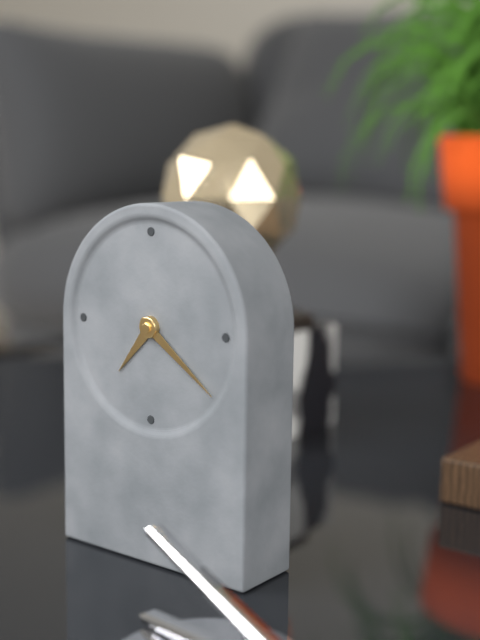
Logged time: 7.21
